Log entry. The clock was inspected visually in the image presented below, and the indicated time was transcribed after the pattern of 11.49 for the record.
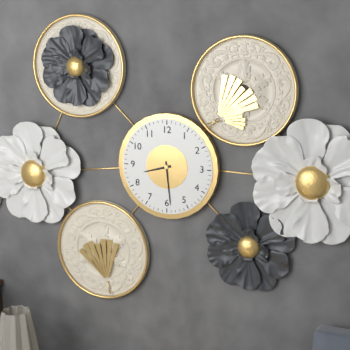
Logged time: 8.29
